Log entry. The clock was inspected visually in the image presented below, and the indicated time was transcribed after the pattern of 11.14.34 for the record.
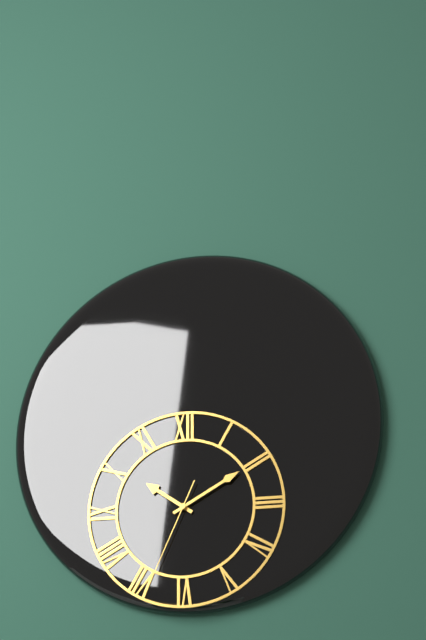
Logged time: 10.10.34
